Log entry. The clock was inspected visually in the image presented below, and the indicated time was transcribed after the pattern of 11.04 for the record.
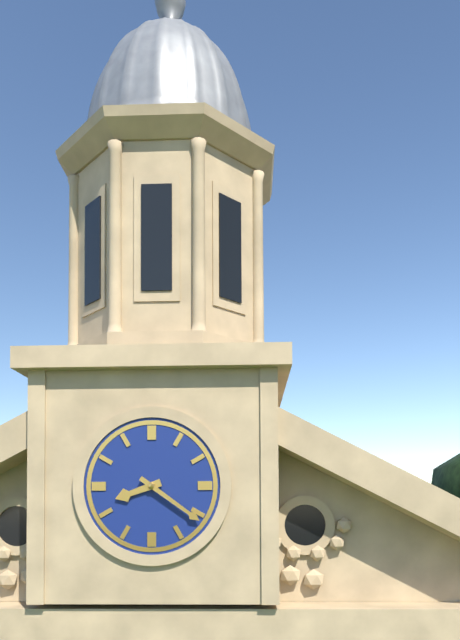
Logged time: 8.21
